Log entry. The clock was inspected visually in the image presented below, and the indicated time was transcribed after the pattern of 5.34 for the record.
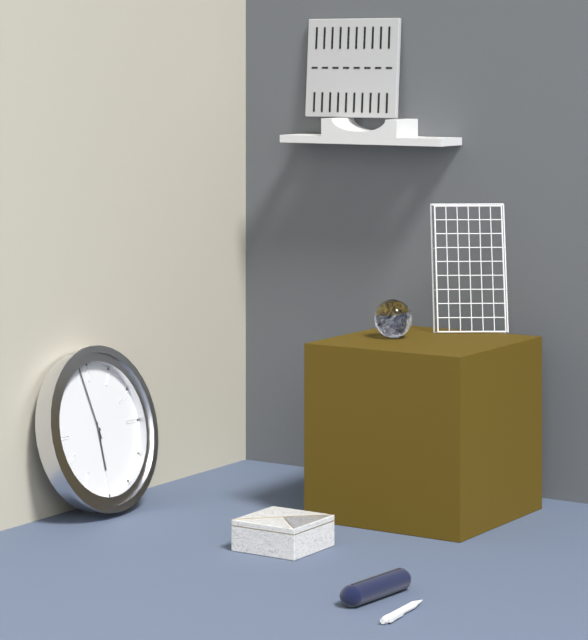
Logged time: 5.58
